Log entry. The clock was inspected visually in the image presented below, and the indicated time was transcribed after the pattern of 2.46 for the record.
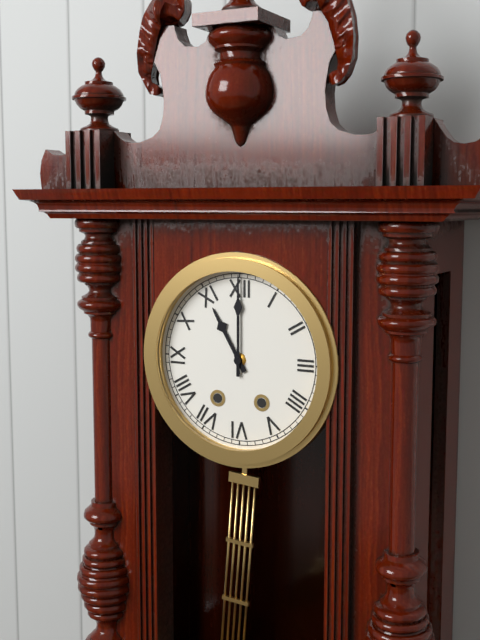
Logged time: 11.00
